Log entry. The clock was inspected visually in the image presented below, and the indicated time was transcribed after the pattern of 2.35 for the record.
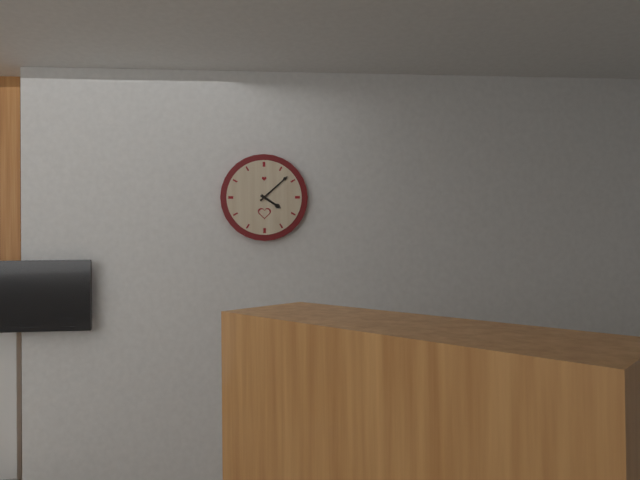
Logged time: 4.08
